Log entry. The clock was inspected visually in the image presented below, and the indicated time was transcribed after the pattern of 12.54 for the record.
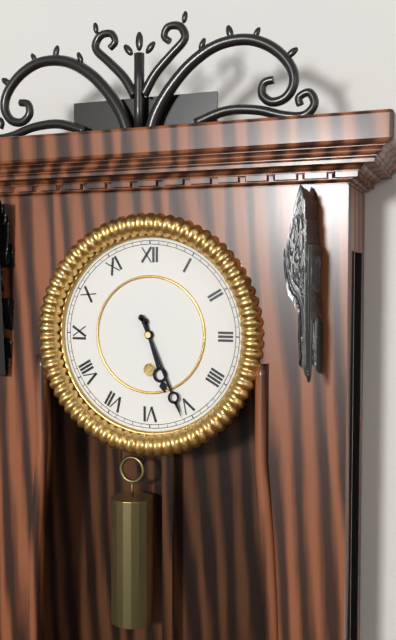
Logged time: 5.26
